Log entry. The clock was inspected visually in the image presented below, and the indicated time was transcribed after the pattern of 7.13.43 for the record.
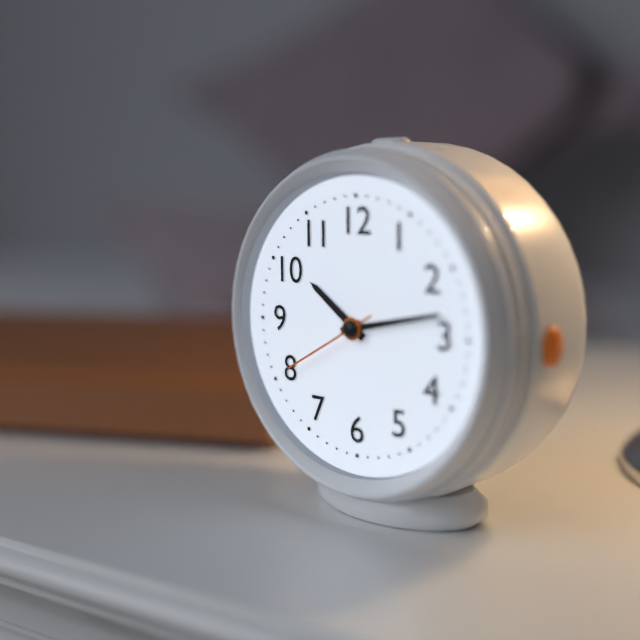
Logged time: 10.13.40
